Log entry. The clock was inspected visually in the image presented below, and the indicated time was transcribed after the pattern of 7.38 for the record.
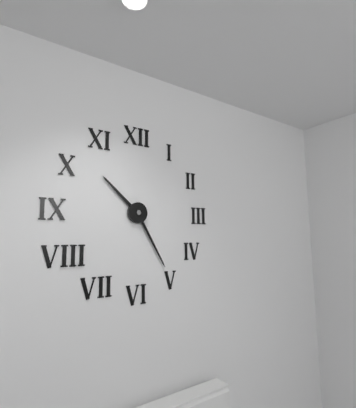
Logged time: 10.25
